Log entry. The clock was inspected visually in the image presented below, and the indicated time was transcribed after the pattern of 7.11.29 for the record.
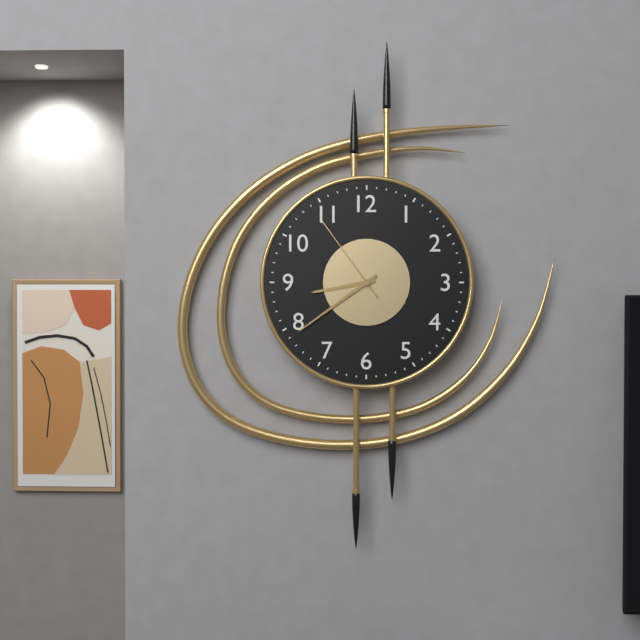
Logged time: 8.39.54
